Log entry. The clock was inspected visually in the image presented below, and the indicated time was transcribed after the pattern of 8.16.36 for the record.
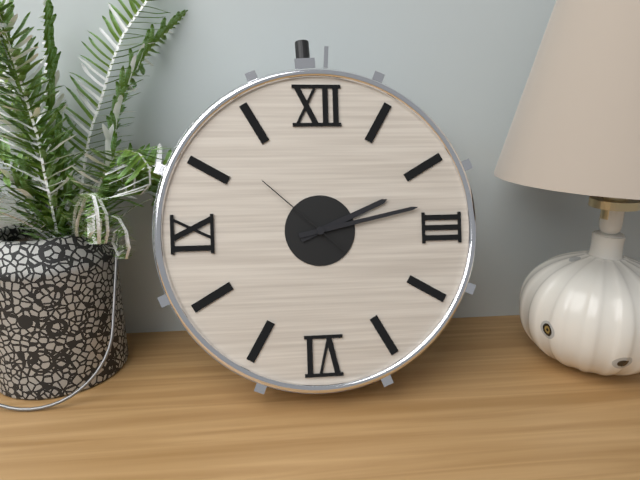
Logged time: 2.13.52
